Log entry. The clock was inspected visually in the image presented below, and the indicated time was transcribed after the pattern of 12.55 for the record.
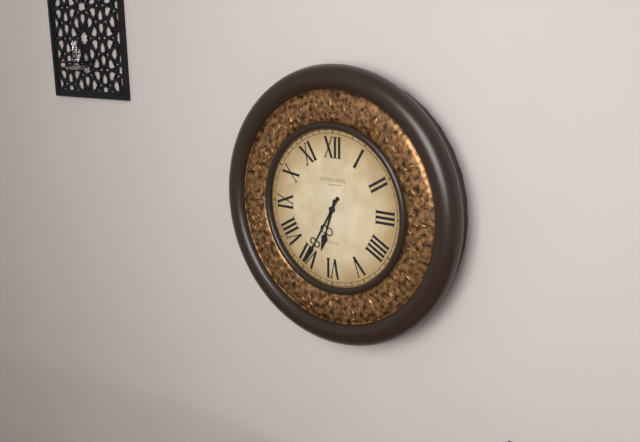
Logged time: 6.35
